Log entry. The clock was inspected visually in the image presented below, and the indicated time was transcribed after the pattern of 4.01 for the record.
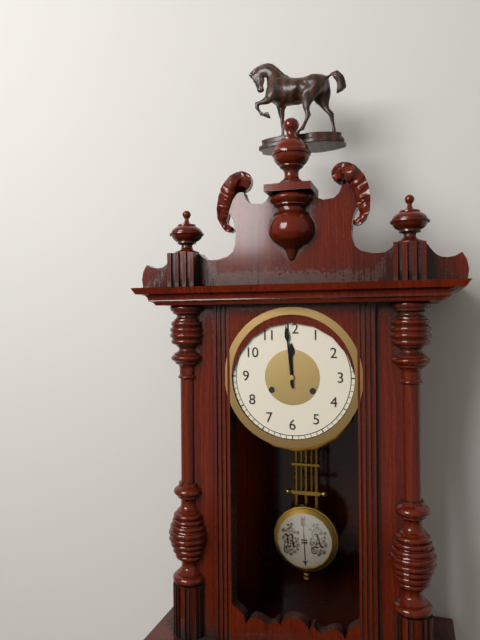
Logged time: 11.59
